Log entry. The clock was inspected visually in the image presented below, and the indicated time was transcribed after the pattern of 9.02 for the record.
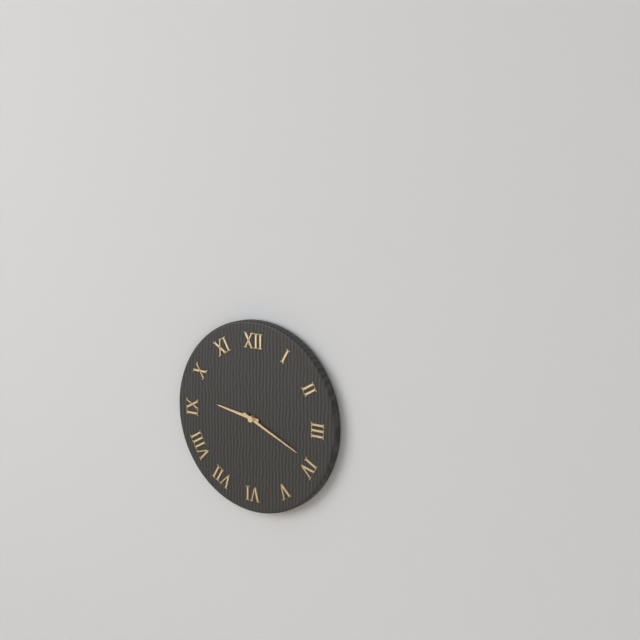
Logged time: 9.19
